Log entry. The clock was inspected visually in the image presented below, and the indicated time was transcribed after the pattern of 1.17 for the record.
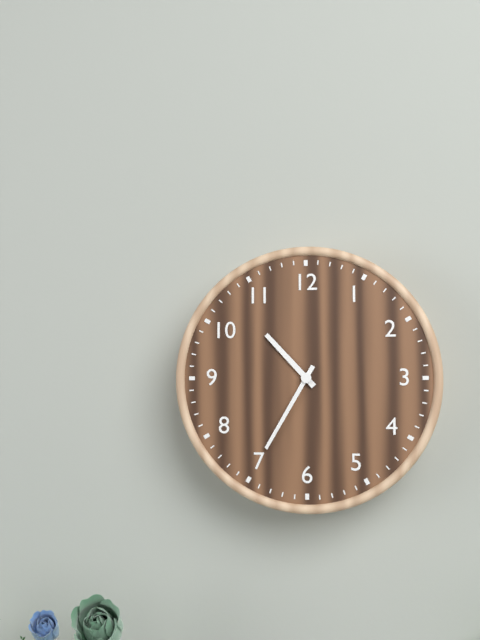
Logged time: 10.35
